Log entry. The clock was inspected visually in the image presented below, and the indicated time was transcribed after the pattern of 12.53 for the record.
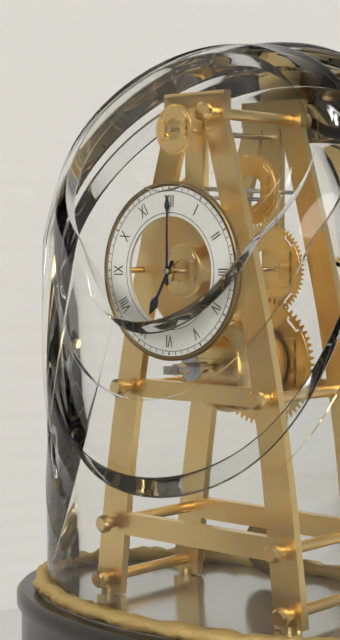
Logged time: 7.00
